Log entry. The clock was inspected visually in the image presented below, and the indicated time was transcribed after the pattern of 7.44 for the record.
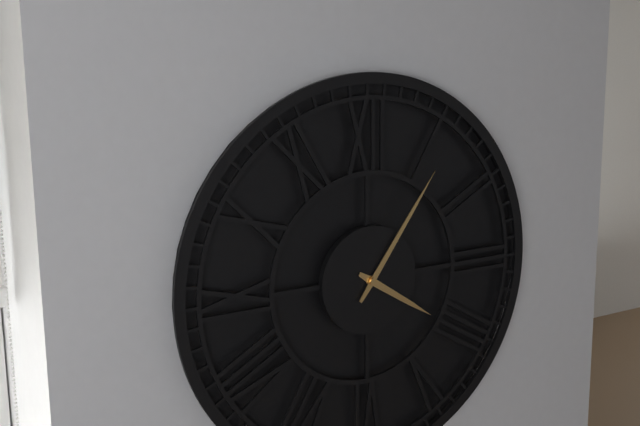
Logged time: 4.06
